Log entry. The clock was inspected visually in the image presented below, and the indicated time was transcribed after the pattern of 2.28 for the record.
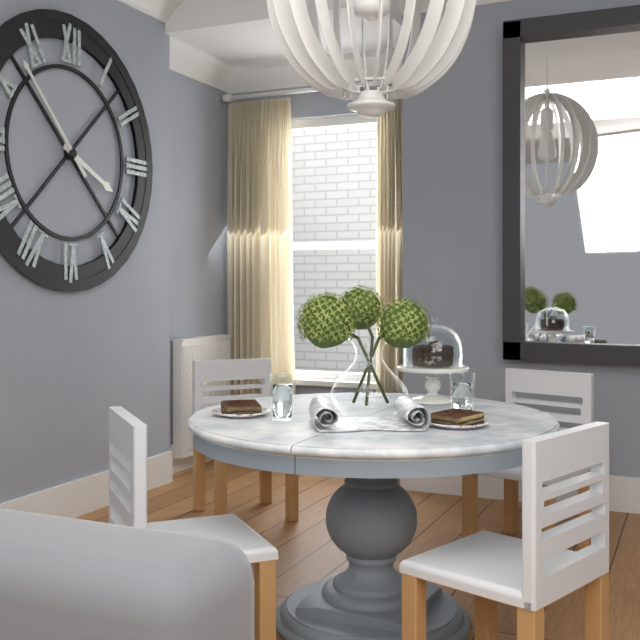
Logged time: 3.53
